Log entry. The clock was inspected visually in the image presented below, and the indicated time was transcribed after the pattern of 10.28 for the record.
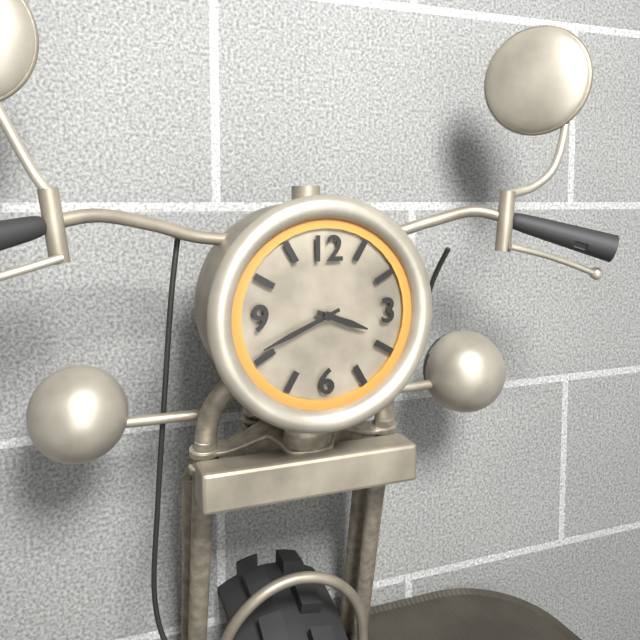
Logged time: 3.41
